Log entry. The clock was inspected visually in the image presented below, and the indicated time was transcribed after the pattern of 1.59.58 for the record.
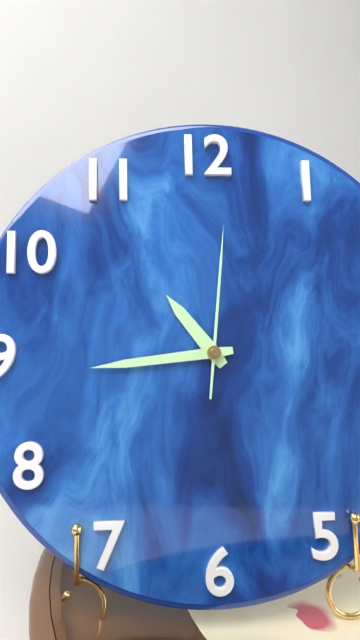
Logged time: 10.44.01
